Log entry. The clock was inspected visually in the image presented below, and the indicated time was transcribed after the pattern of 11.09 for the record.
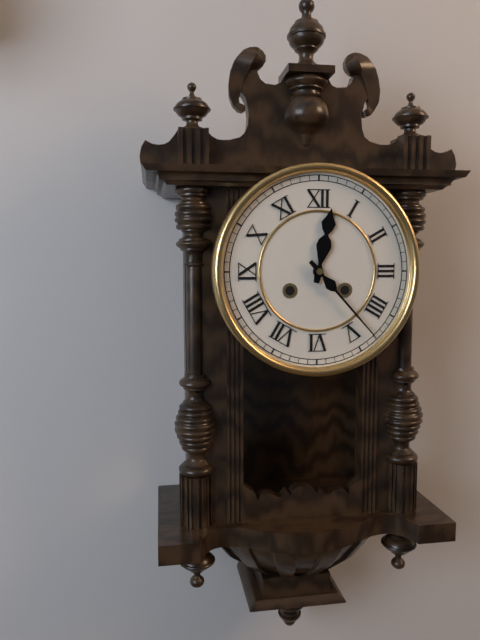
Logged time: 12.23
